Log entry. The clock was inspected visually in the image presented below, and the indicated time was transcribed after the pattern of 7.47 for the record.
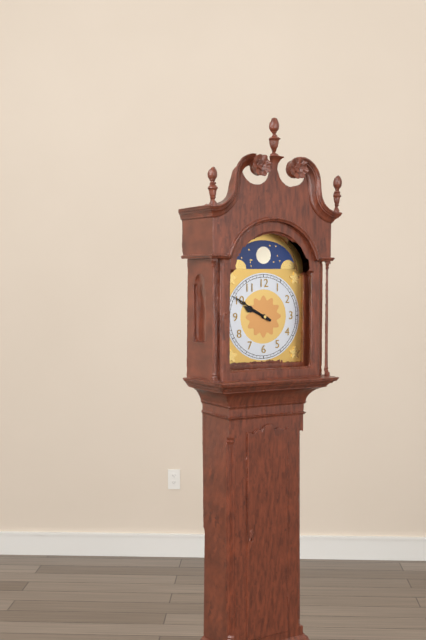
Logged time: 9.50
